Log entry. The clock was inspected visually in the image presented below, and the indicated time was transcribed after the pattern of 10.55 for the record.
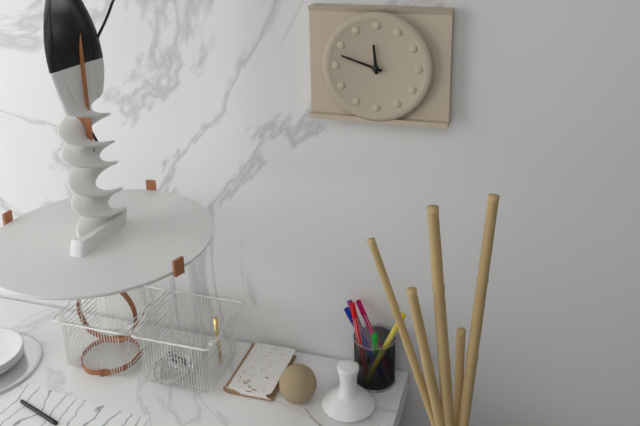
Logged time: 11.48
